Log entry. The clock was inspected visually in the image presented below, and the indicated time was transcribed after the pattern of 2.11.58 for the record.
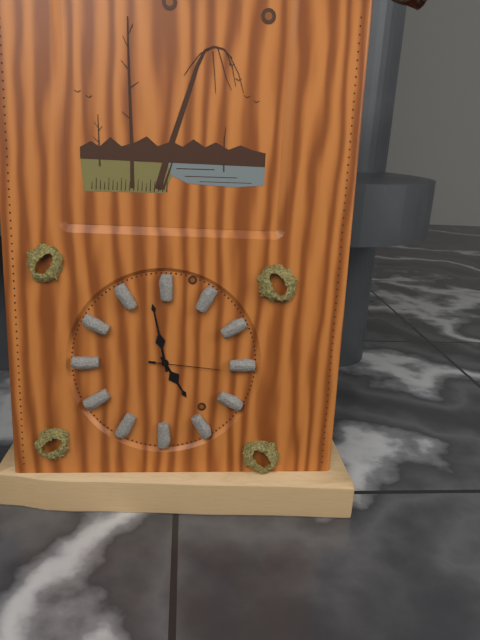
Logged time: 4.58.16
